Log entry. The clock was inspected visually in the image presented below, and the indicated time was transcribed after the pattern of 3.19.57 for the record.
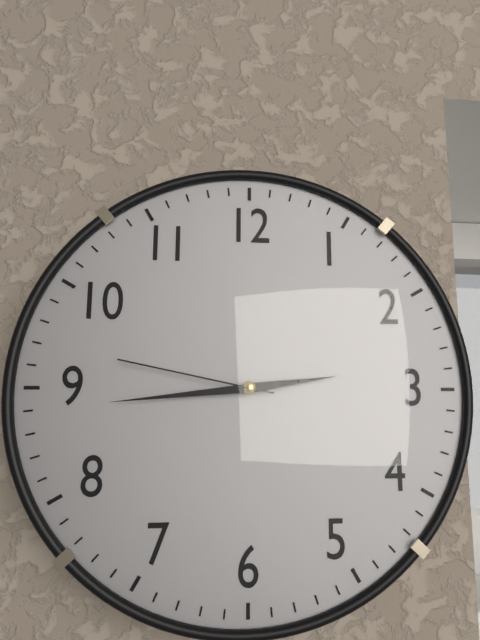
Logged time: 2.44.47
